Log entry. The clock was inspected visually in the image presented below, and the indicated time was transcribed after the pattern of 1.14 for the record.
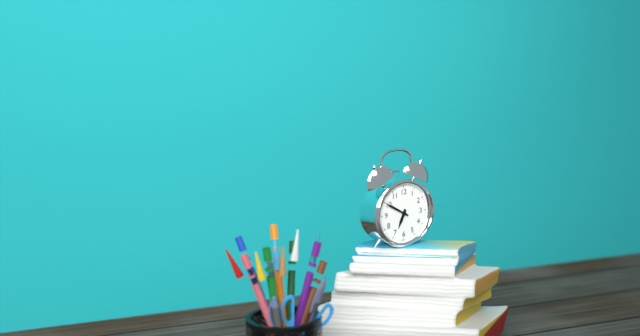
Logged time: 6.50
